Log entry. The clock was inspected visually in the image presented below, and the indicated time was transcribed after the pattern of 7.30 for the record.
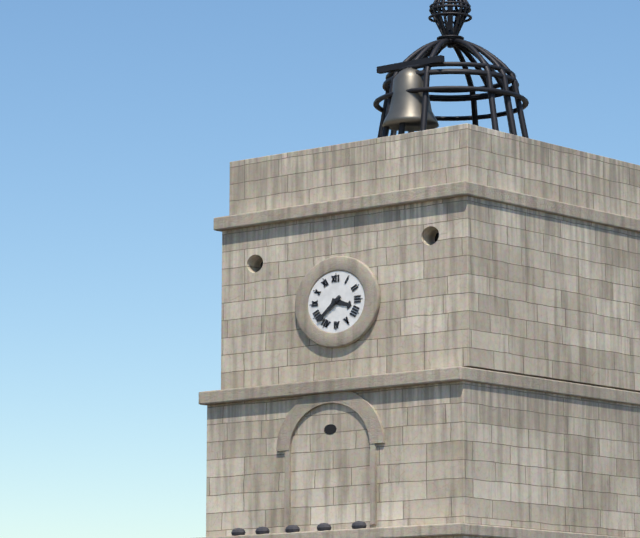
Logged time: 3.38
